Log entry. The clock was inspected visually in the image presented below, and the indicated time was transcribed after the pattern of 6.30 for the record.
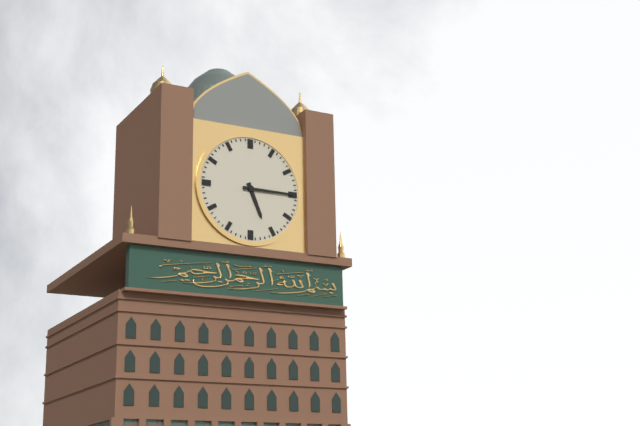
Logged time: 5.15
